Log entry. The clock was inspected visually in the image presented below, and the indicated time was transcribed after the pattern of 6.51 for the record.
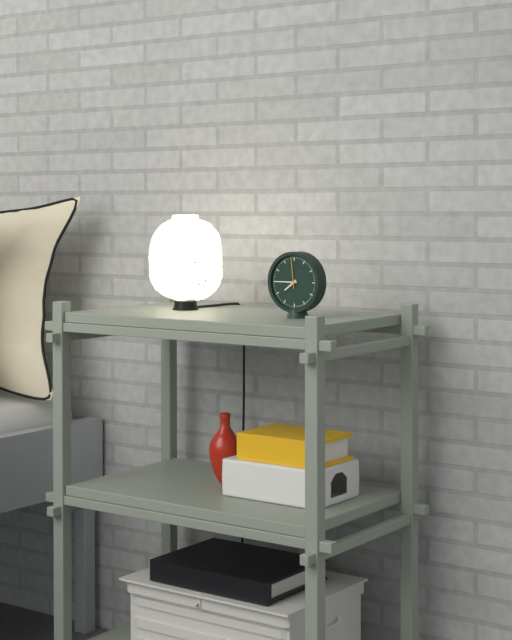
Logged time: 7.45
